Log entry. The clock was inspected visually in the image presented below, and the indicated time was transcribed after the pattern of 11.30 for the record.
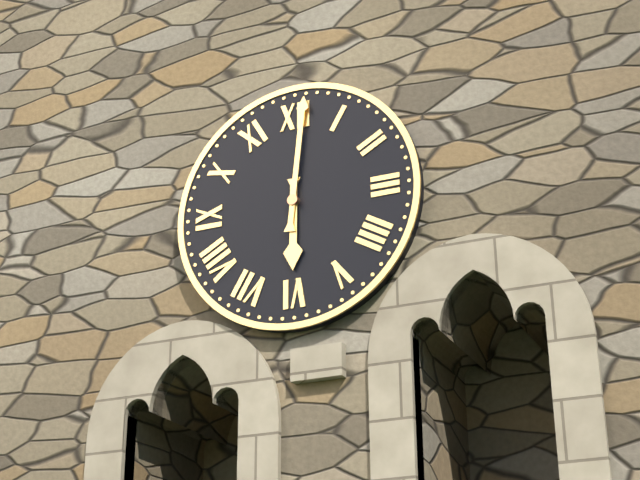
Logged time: 6.01
